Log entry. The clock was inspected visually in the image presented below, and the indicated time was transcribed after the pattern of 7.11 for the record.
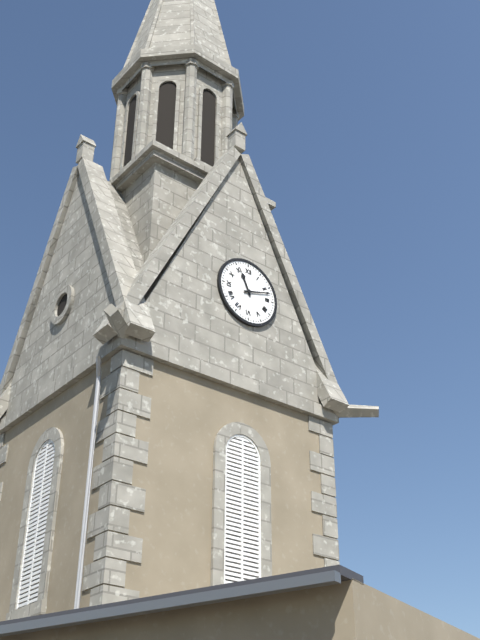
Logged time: 11.12
